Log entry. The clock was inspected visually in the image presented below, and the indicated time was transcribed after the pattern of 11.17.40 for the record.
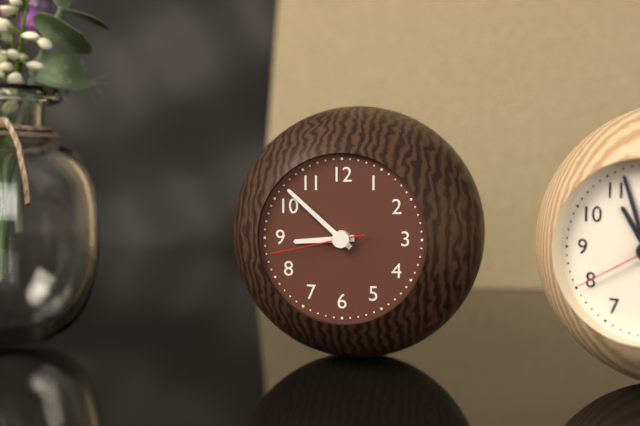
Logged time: 8.52.43
